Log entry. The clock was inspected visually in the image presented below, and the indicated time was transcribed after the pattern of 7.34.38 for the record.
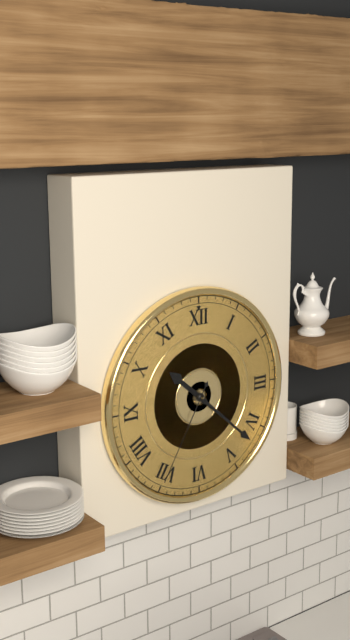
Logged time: 10.22.35
